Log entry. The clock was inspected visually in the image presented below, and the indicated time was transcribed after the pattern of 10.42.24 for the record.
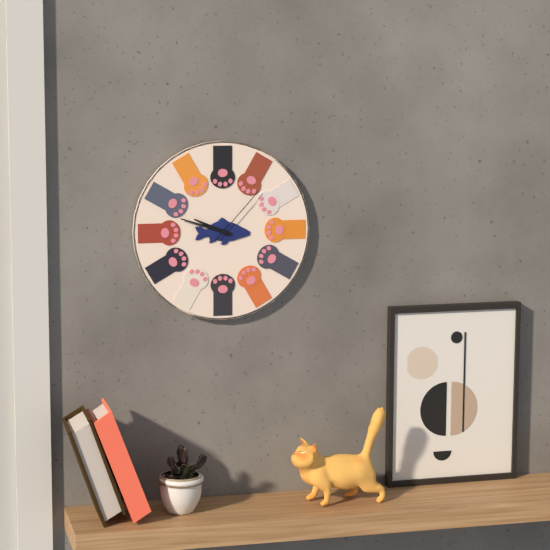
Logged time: 9.48.07
